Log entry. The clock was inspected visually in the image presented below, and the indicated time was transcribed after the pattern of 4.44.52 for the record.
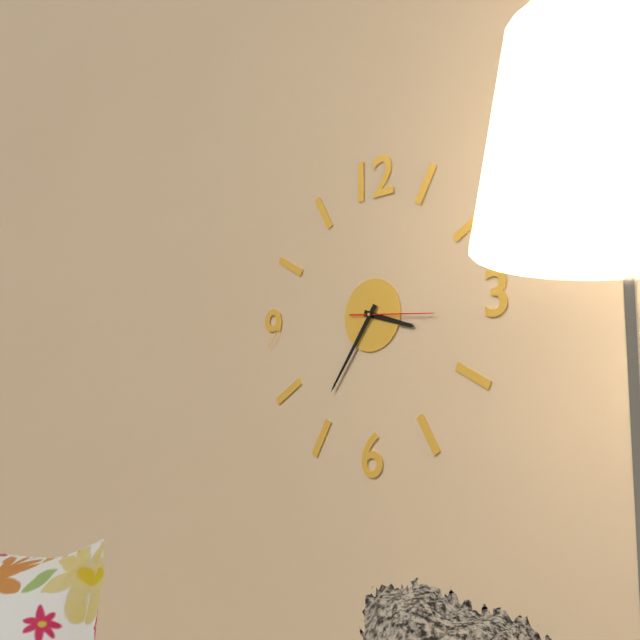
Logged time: 3.36.16
